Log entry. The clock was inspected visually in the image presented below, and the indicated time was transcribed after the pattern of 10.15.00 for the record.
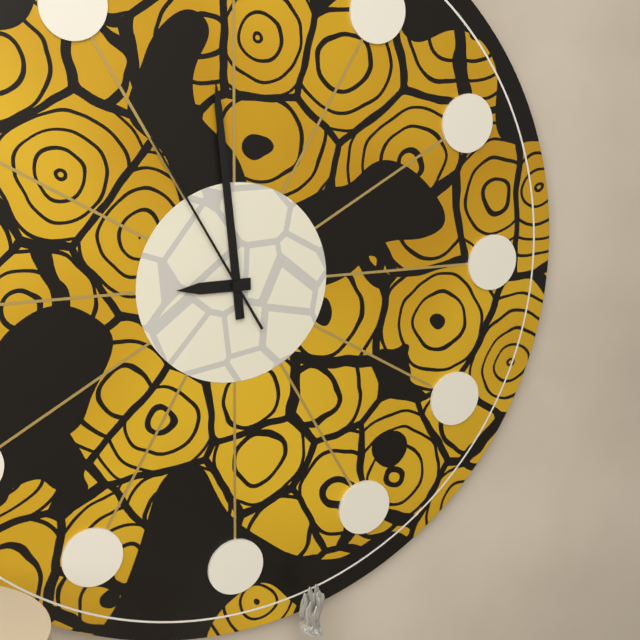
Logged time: 8.59.55
